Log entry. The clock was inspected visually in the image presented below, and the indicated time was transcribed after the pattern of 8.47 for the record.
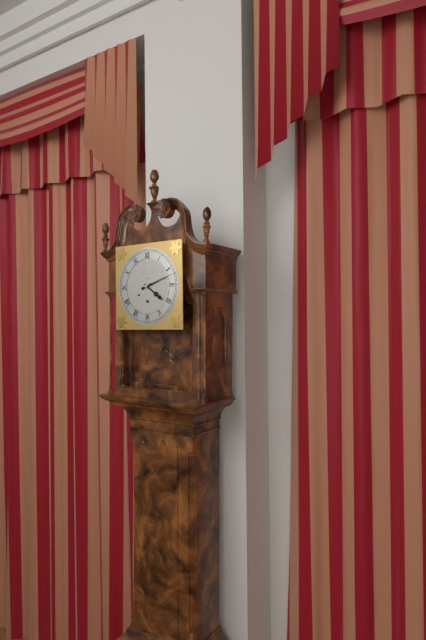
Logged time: 4.12
